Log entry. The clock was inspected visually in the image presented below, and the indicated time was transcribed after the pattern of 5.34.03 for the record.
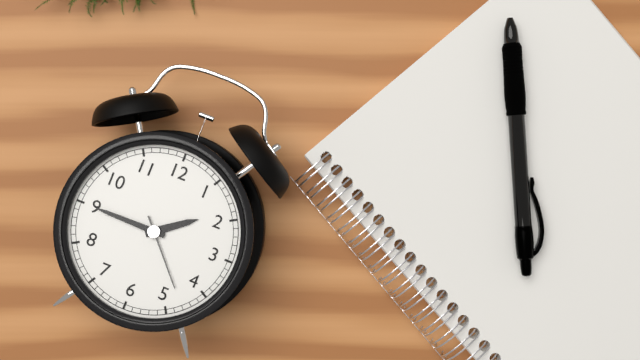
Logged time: 1.45.23
